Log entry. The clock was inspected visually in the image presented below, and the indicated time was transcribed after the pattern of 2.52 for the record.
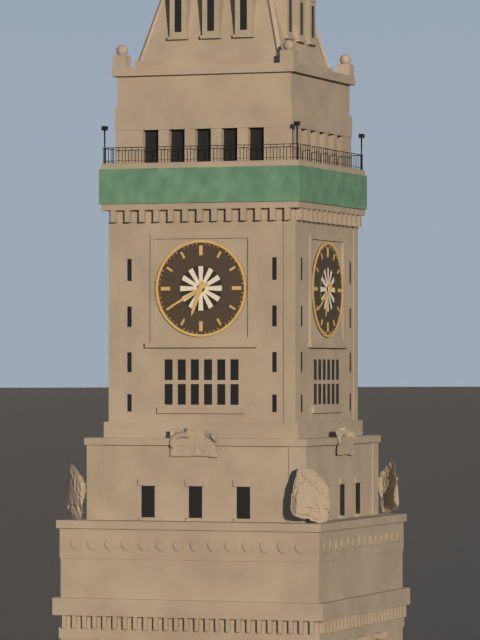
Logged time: 6.40
